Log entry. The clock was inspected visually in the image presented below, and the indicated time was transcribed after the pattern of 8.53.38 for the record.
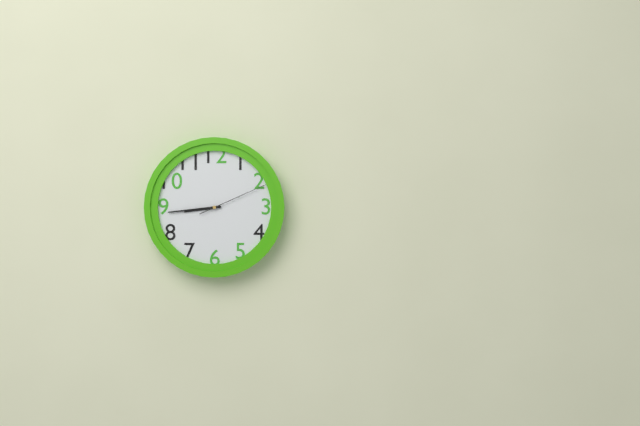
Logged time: 8.44.11
